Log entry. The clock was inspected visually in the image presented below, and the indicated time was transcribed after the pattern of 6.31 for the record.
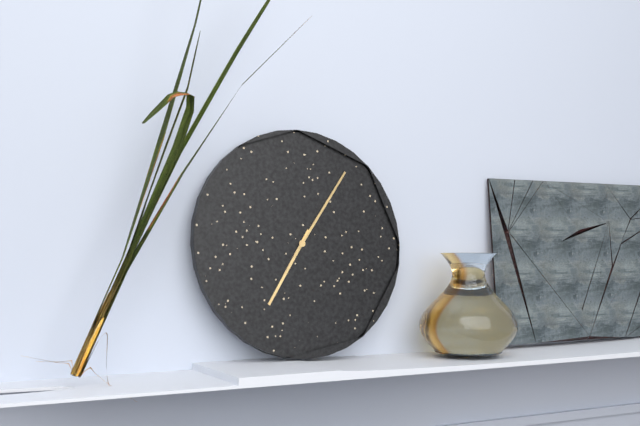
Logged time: 7.06
